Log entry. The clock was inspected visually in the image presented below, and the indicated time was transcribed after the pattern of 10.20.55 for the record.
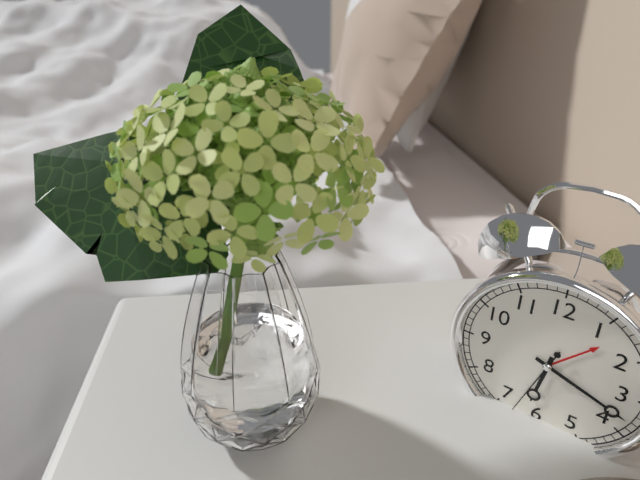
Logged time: 6.18.33
